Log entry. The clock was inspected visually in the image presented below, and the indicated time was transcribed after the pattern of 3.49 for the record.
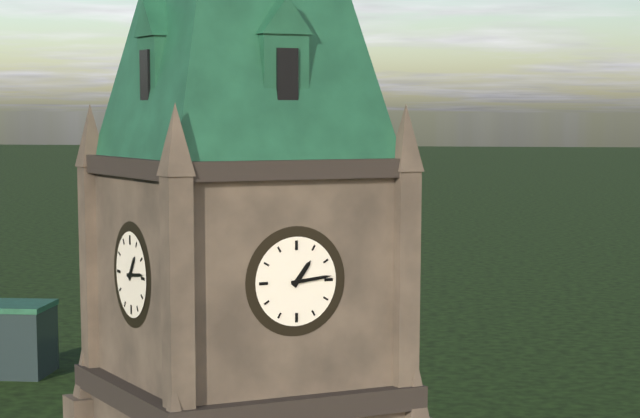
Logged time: 1.14
